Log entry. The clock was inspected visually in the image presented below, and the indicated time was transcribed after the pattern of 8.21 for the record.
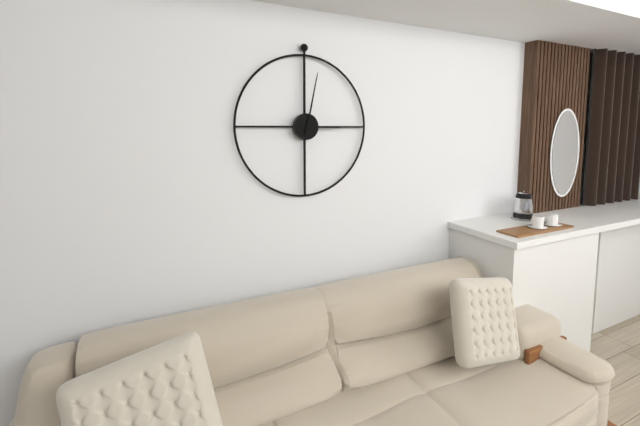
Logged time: 3.02
